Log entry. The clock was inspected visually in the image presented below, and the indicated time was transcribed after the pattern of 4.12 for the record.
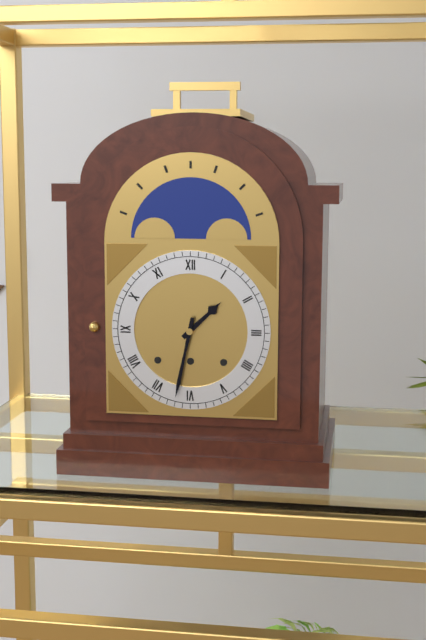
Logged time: 1.32
